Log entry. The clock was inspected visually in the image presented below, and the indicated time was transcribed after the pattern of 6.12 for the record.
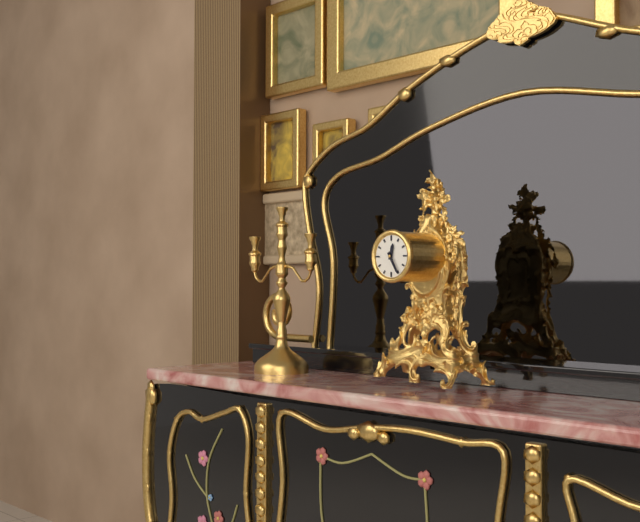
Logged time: 12.25
